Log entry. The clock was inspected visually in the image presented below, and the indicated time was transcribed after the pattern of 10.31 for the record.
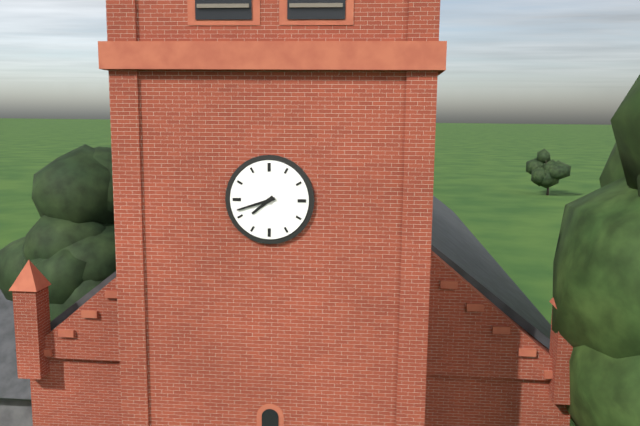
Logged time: 7.42
